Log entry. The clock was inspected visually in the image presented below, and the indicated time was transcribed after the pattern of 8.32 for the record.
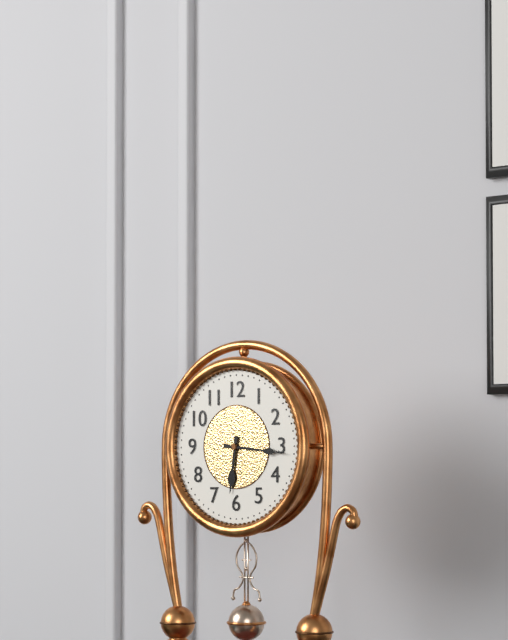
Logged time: 6.16
